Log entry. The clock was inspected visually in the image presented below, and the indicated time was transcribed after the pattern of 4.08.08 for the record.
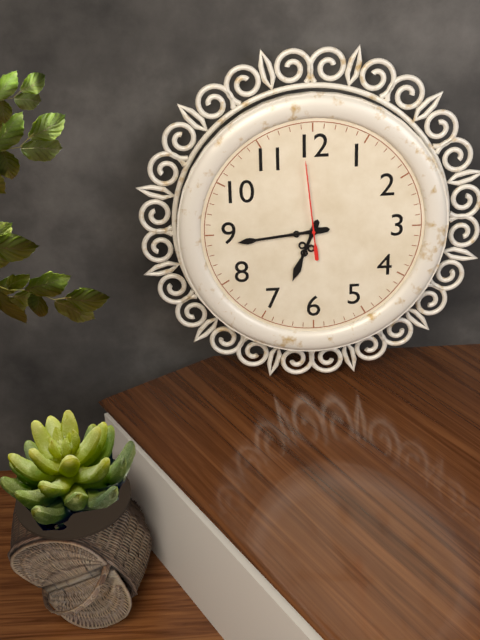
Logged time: 6.44.59
